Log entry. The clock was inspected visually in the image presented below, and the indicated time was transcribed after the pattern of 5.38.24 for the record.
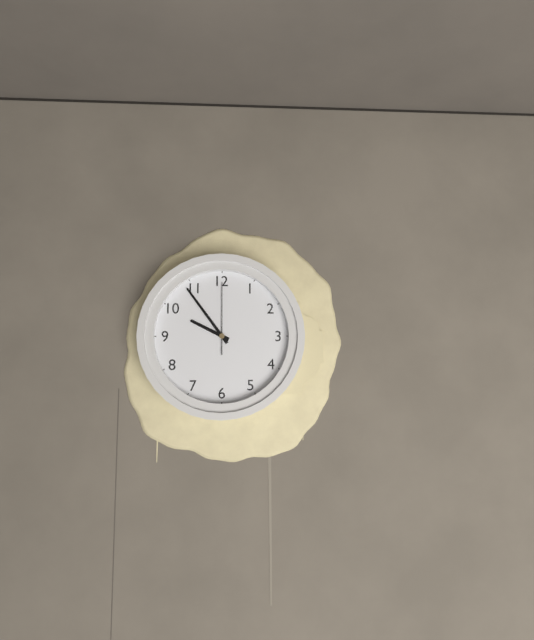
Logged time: 9.54.00
